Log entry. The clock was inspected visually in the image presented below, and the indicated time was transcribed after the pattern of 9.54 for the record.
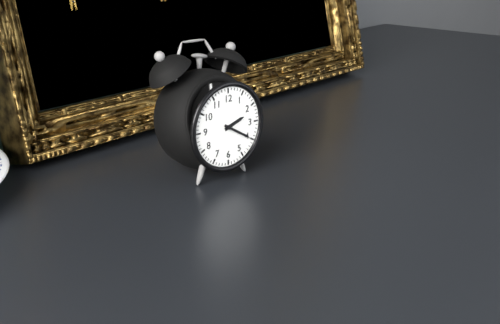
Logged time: 2.20
